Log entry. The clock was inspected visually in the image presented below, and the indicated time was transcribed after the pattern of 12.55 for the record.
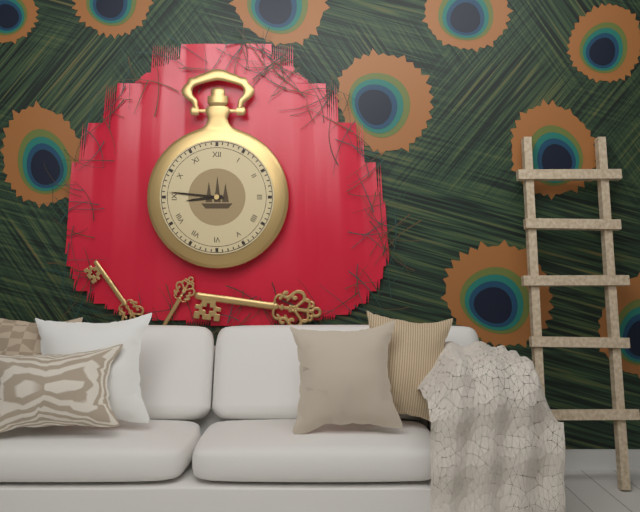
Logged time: 8.46
